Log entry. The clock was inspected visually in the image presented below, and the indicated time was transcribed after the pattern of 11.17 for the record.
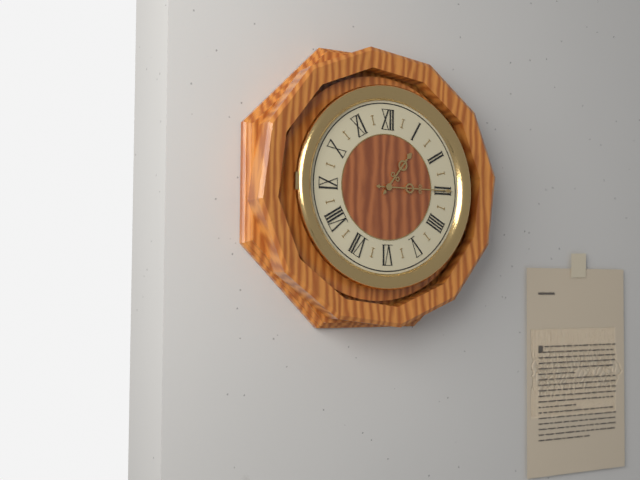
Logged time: 1.15
